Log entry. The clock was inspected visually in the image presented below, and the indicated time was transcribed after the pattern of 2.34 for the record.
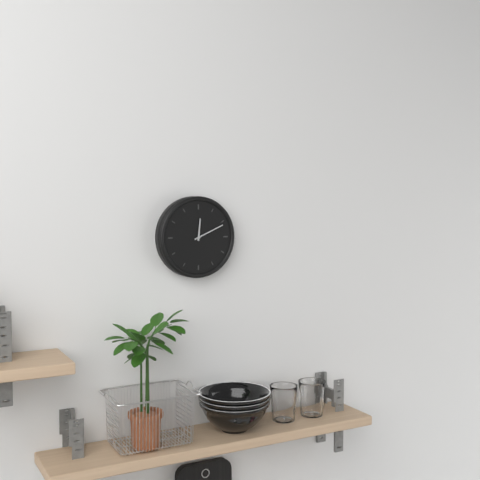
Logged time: 12.11
